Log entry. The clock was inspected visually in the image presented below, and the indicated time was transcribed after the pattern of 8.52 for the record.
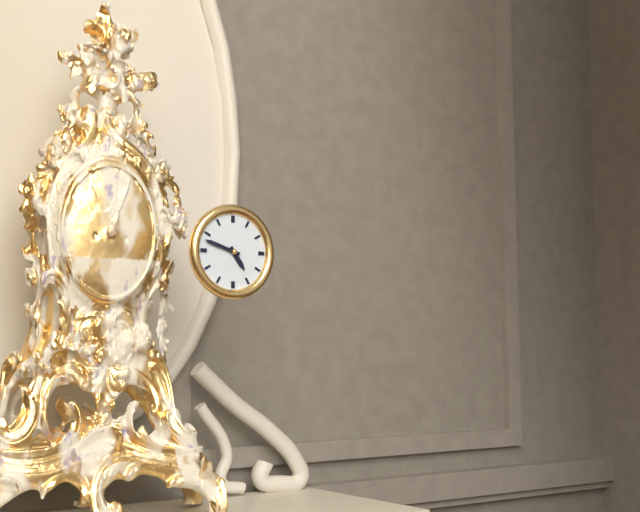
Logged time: 4.48
